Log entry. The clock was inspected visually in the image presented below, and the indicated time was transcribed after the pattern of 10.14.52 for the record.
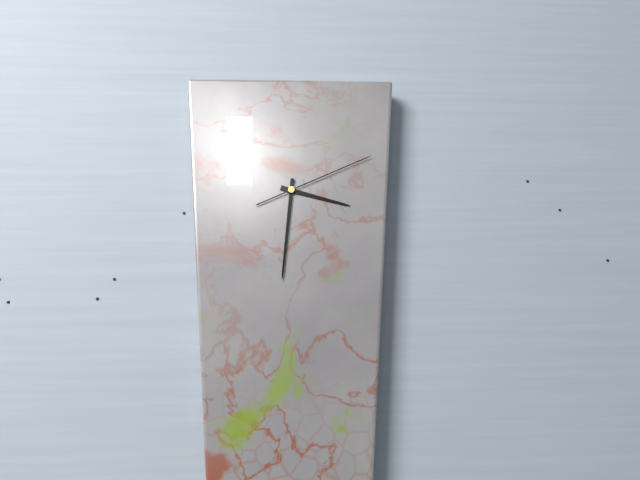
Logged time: 3.31.11
